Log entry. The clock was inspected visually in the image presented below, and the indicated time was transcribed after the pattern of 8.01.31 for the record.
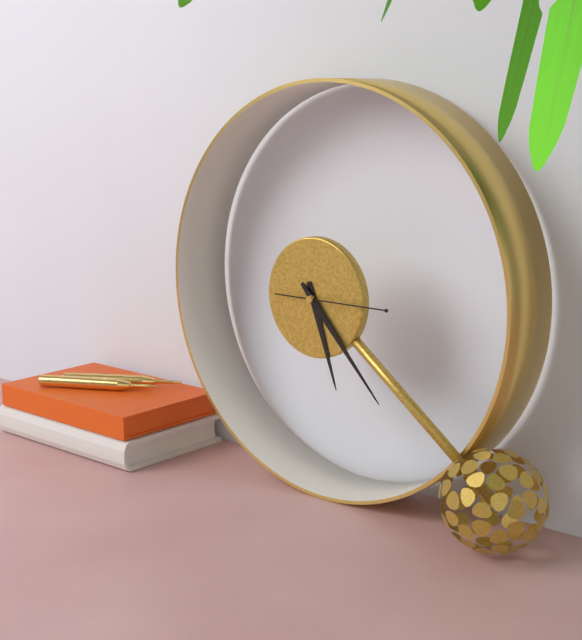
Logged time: 5.23.15
